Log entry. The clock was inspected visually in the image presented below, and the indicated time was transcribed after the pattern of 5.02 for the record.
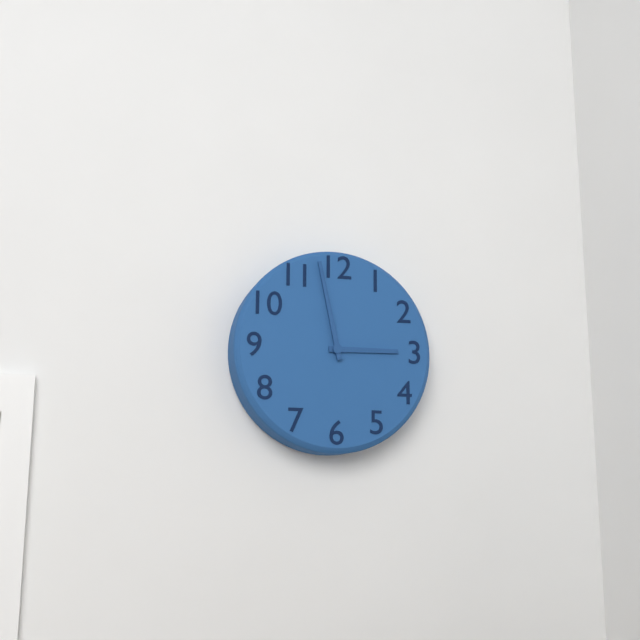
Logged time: 2.58
